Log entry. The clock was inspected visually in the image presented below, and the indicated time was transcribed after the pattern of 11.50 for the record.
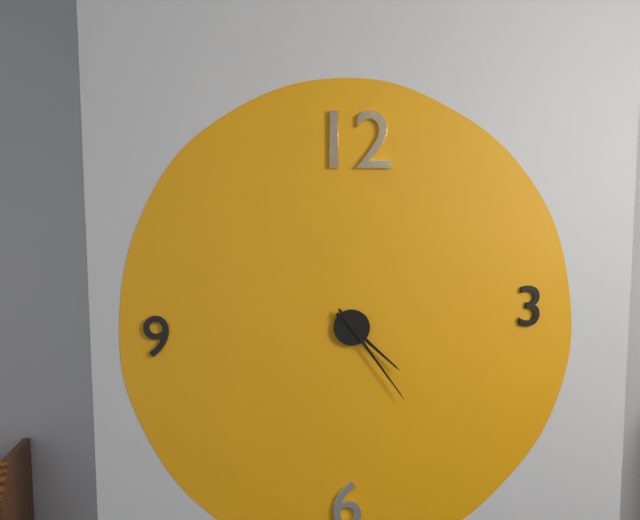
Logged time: 4.24
